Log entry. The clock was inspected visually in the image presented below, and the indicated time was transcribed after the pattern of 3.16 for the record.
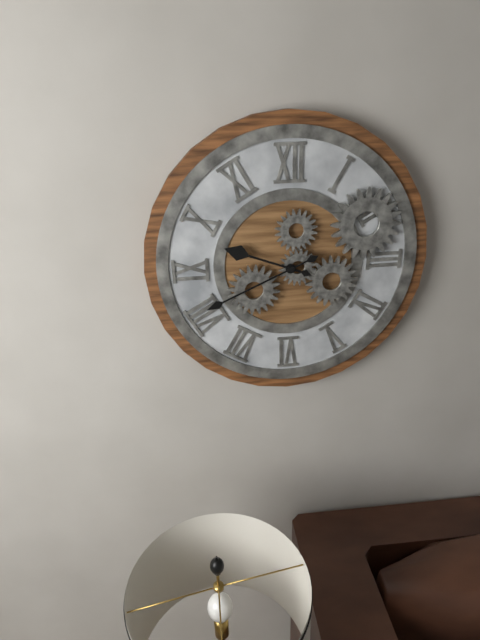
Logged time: 9.41
